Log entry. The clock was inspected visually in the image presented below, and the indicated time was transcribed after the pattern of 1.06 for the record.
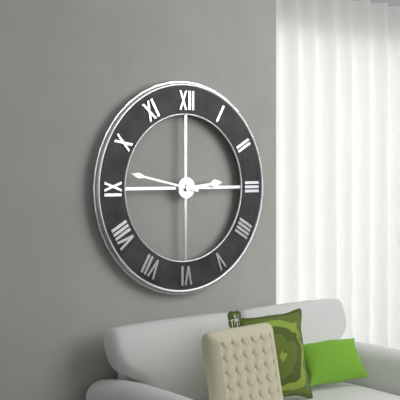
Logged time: 2.47
